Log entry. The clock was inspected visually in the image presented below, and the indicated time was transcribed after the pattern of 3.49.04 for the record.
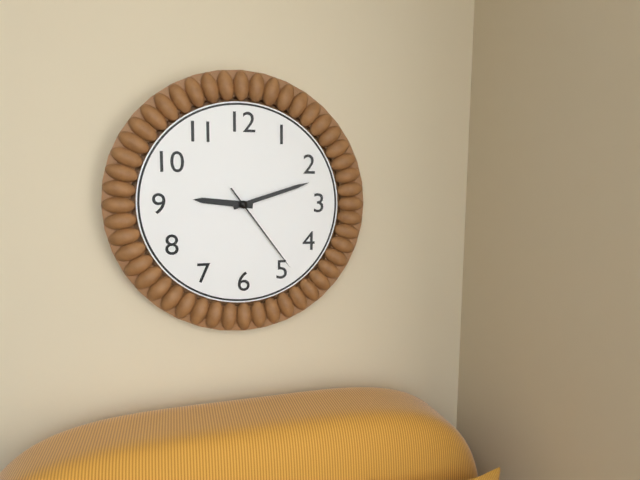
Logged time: 9.12.24
